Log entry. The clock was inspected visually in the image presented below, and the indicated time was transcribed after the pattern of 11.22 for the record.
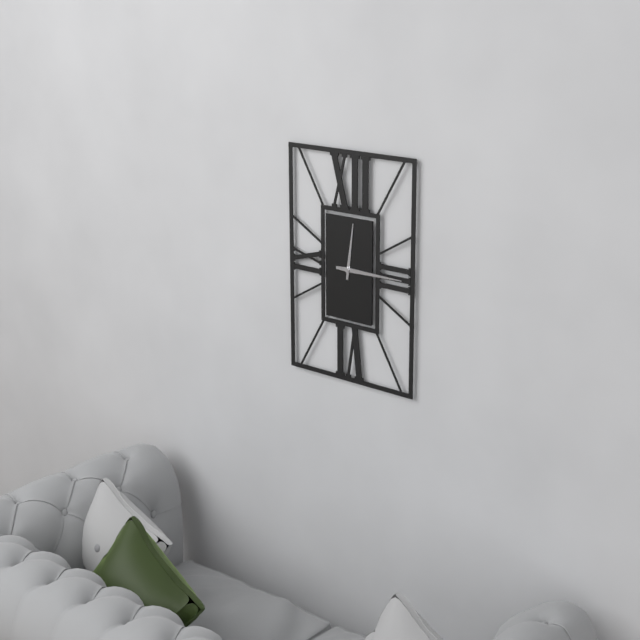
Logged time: 12.15
